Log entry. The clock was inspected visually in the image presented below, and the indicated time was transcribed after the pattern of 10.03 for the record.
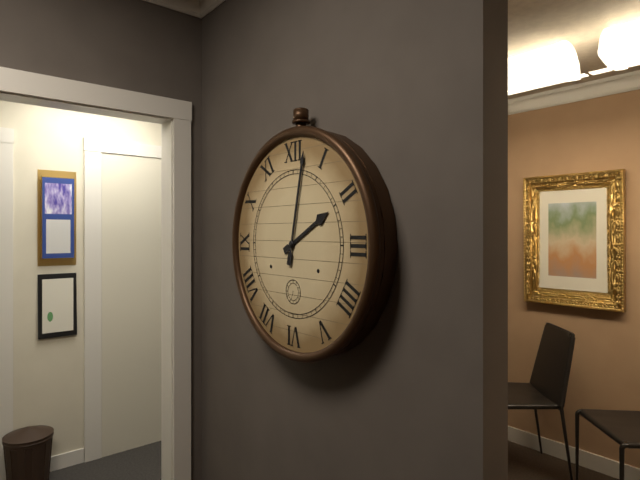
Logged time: 2.02
